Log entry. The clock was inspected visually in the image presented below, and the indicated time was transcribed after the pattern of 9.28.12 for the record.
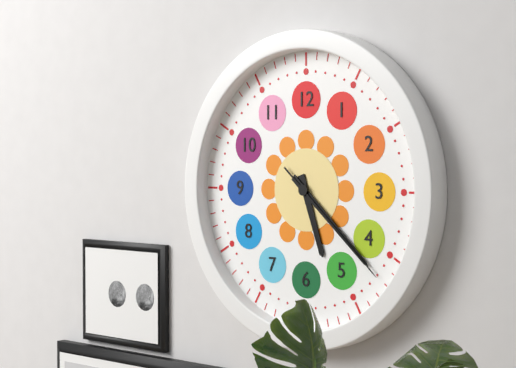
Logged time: 5.22.22
